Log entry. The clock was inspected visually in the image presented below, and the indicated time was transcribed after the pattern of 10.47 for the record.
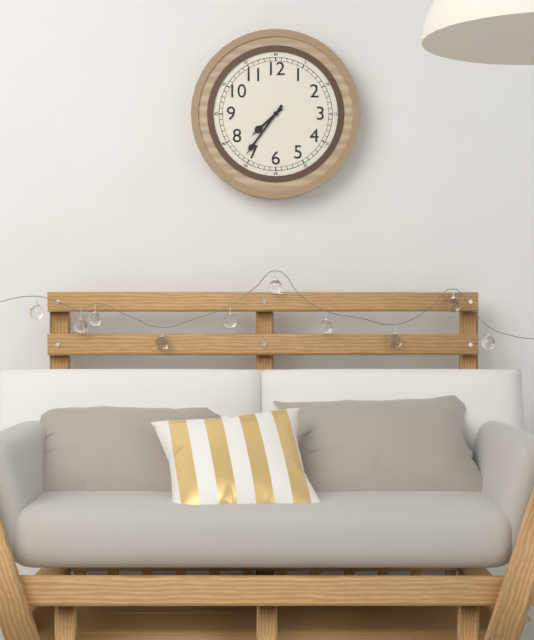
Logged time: 7.36
